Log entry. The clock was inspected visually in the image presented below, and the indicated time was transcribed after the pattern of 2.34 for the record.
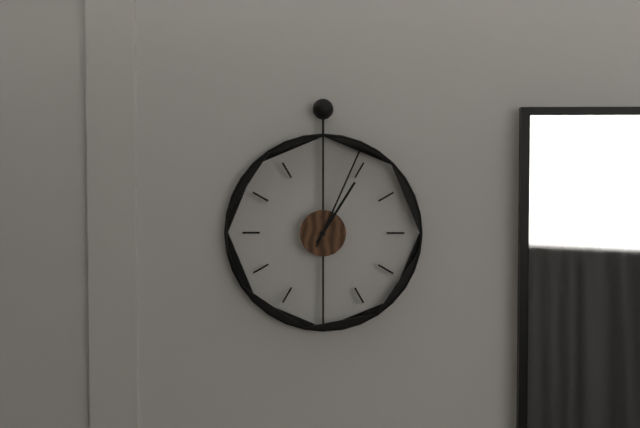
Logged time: 1.04
